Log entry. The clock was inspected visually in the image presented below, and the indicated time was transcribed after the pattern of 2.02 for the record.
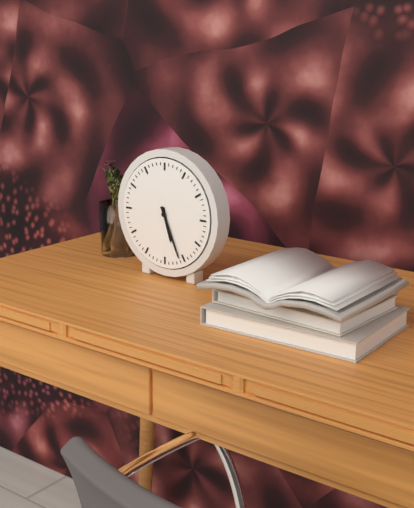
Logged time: 5.26
